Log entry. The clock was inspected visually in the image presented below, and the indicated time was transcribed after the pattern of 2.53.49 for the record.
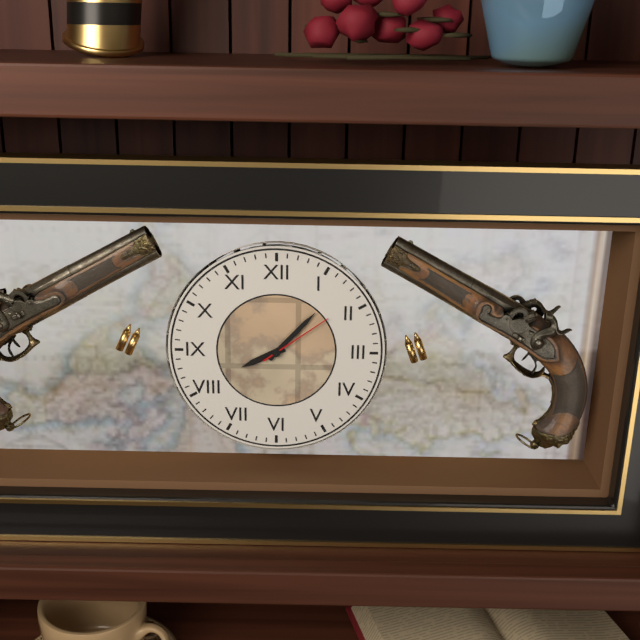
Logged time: 8.07.09
